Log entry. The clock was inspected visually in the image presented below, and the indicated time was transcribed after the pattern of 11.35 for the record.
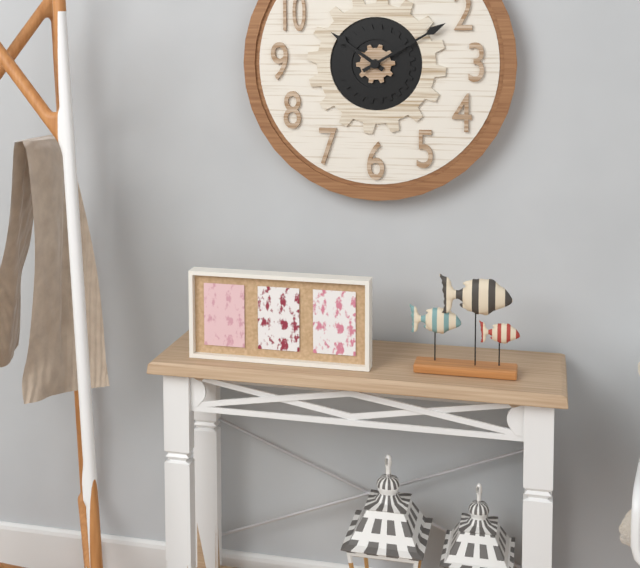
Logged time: 10.10
